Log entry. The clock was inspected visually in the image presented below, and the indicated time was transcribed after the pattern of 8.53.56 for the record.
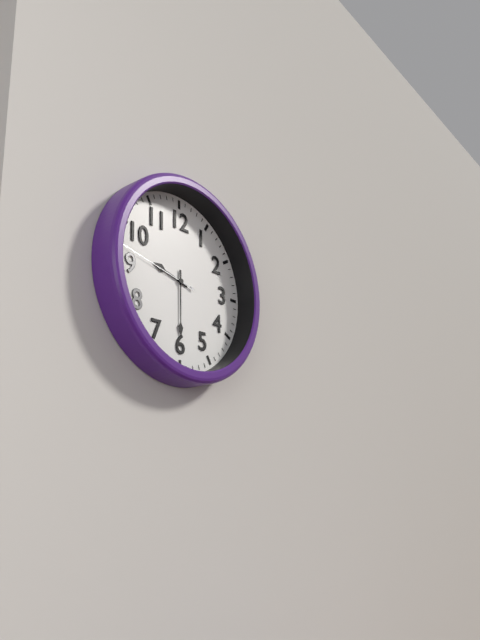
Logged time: 9.30.47
